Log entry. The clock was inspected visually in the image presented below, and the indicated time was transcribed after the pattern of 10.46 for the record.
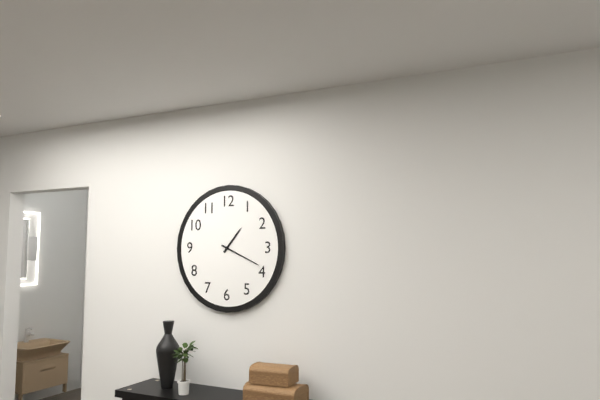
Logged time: 1.19
